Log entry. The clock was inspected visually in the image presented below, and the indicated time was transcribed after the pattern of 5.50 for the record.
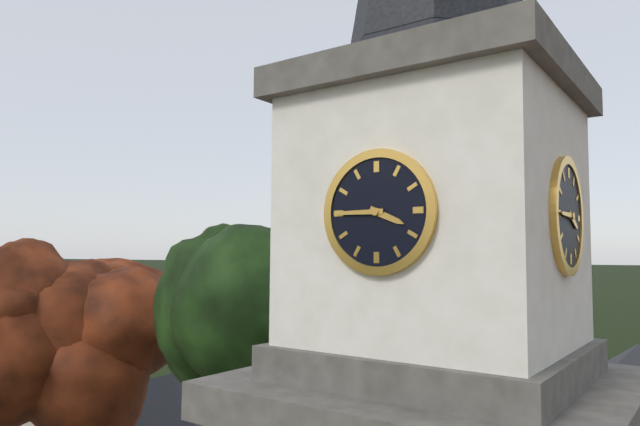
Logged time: 3.45
